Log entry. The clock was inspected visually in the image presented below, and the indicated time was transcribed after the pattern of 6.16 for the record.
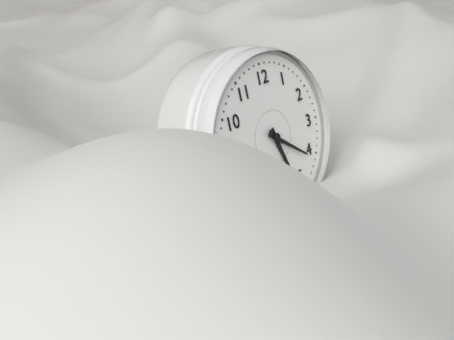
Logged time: 5.21
